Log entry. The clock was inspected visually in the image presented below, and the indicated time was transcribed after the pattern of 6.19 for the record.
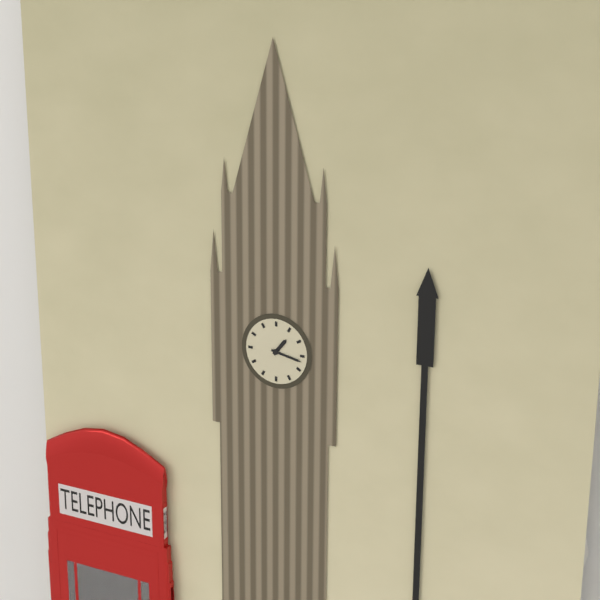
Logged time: 1.17
